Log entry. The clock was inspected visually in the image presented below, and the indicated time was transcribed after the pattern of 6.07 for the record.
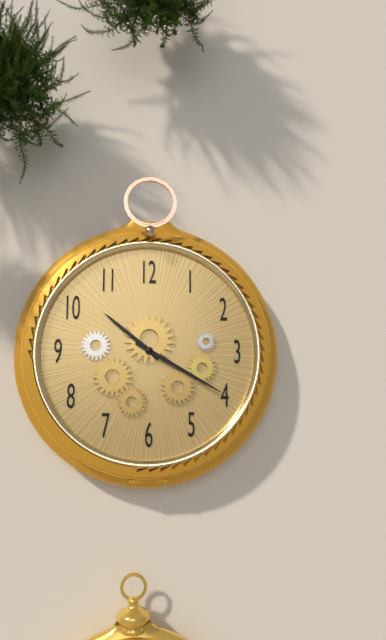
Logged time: 10.20
